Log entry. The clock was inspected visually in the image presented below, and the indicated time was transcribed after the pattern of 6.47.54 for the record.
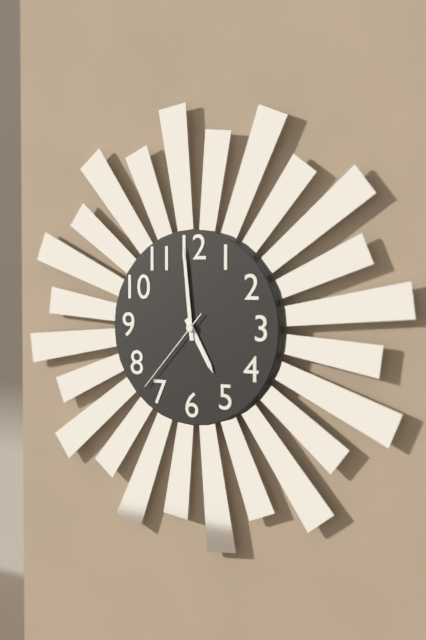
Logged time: 4.59.37
